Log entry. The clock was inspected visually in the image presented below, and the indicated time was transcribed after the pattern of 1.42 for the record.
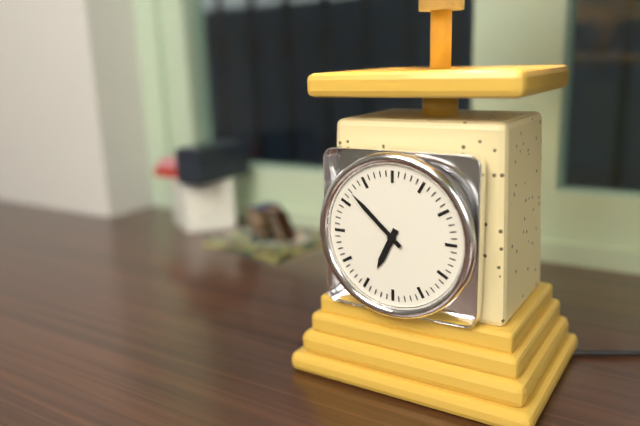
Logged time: 6.52
